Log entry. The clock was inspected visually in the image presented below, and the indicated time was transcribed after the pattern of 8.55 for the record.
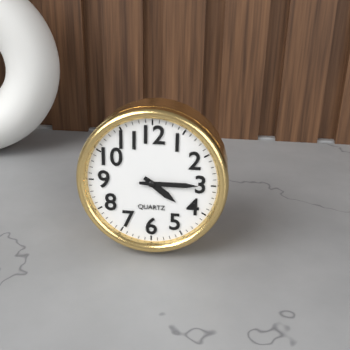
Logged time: 4.15
